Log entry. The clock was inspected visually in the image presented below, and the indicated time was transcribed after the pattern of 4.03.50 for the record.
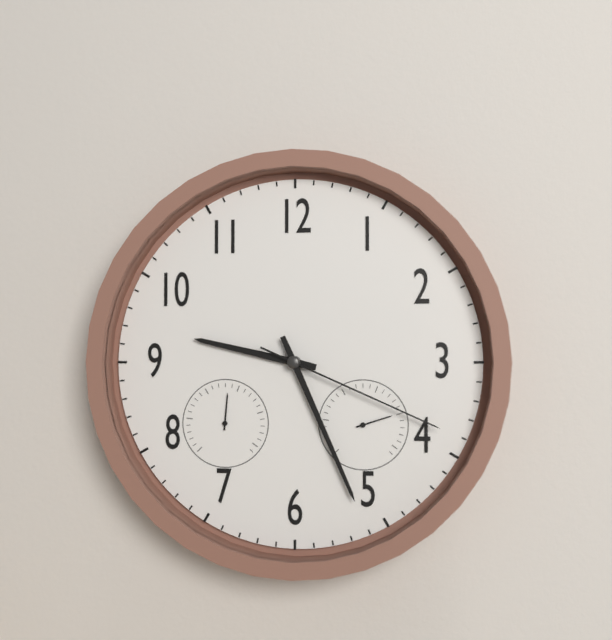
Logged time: 9.26.19
